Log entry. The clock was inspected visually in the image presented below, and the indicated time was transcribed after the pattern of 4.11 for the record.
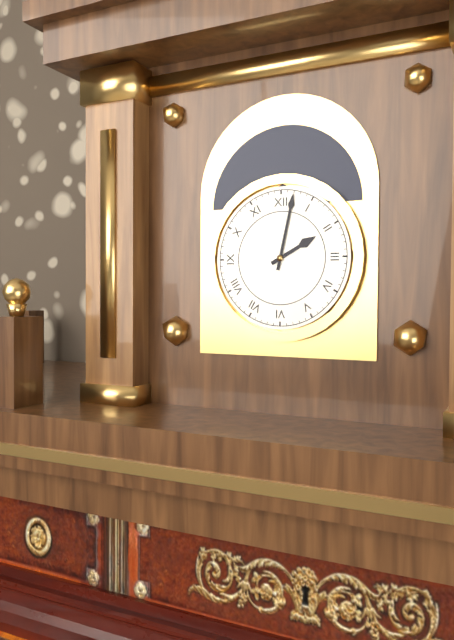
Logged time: 2.02
